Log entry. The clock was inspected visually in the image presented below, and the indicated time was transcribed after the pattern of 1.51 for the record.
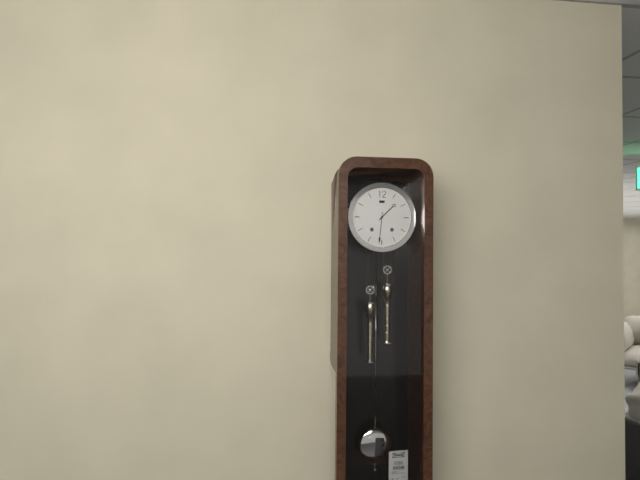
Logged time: 1.31
